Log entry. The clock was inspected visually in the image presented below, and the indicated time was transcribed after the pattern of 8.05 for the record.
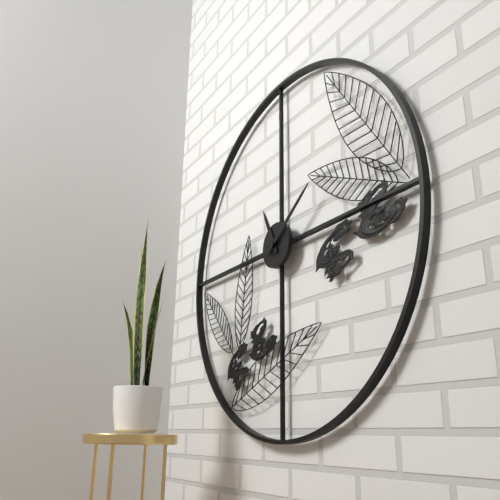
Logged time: 11.09
